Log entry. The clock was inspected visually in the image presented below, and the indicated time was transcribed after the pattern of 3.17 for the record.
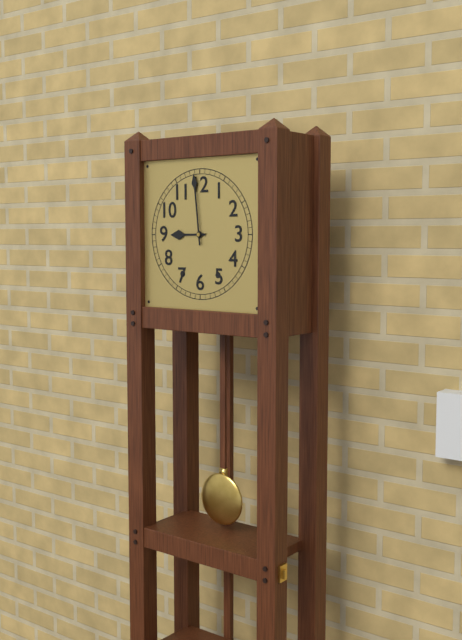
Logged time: 8.59
